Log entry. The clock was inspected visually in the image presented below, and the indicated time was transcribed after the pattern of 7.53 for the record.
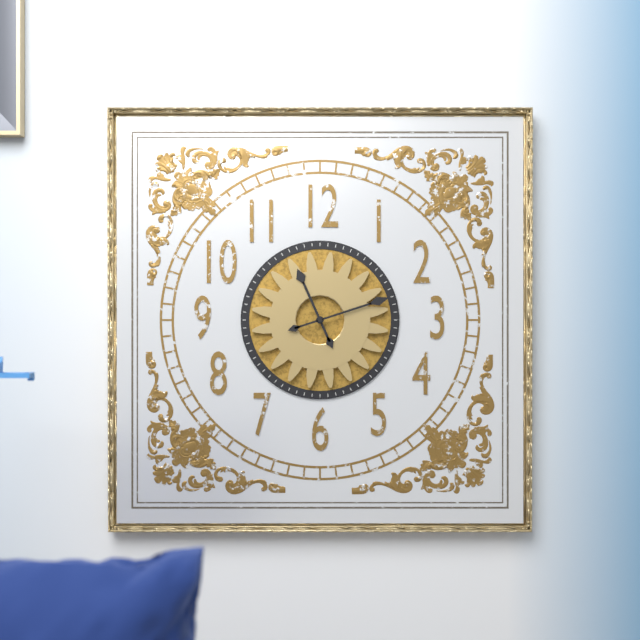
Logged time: 11.12
